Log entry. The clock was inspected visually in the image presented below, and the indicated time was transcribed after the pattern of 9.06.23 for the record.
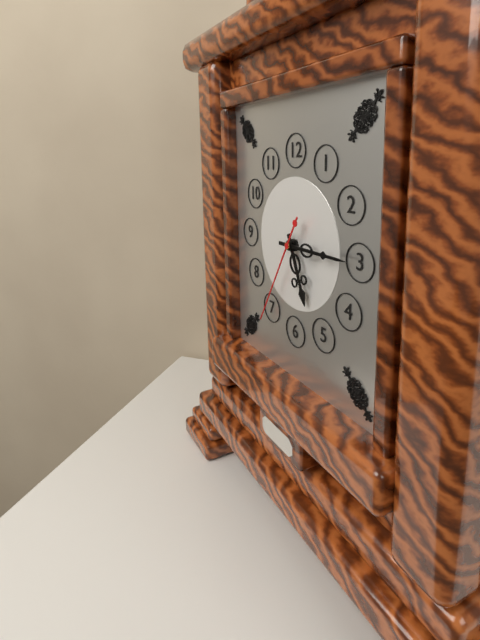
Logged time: 5.15.35
